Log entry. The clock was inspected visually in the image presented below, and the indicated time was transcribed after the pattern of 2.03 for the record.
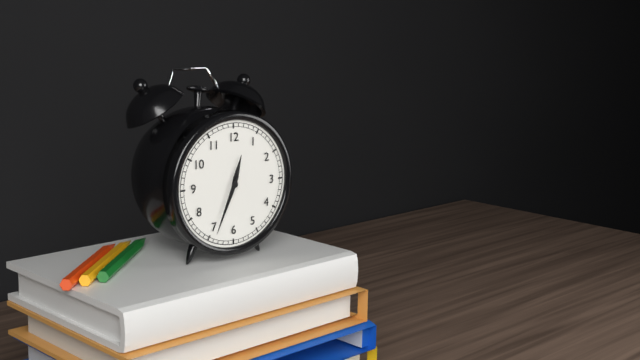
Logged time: 12.34
